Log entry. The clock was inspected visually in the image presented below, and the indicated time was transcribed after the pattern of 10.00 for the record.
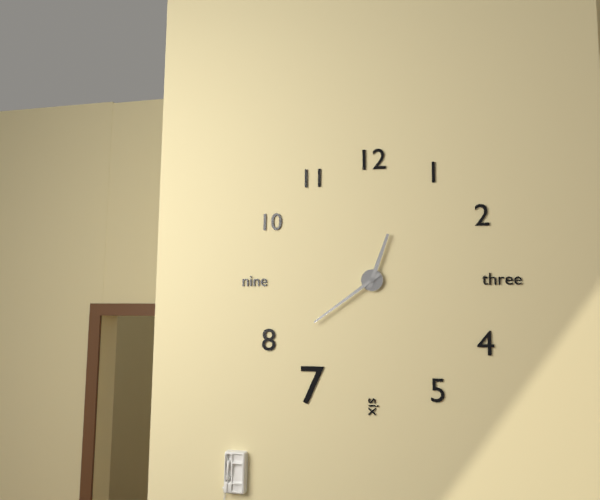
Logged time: 12.39
